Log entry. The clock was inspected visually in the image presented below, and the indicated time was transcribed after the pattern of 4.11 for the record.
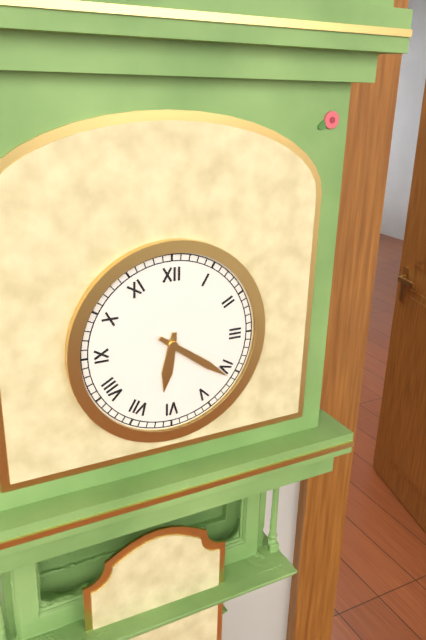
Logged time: 6.21
